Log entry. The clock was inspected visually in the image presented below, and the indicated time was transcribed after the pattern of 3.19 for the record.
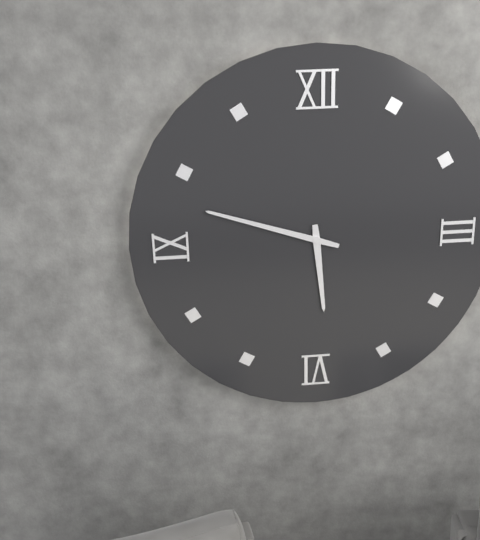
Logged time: 5.48
